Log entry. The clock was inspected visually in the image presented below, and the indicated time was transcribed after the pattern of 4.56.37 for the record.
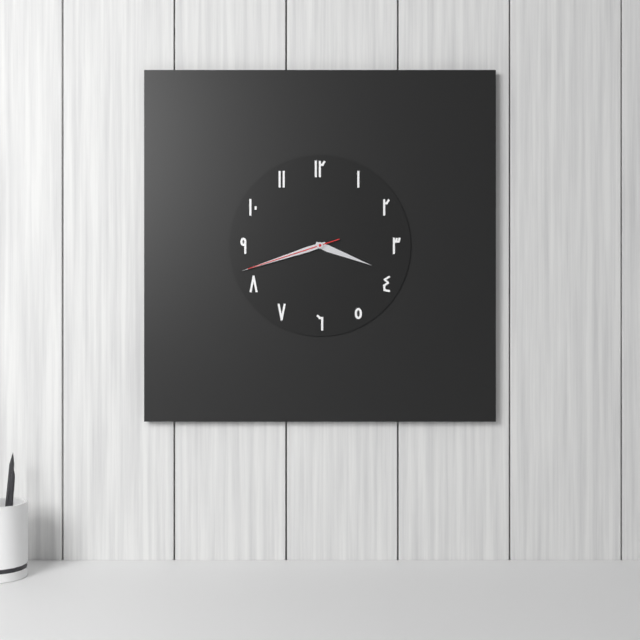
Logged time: 3.42.42
